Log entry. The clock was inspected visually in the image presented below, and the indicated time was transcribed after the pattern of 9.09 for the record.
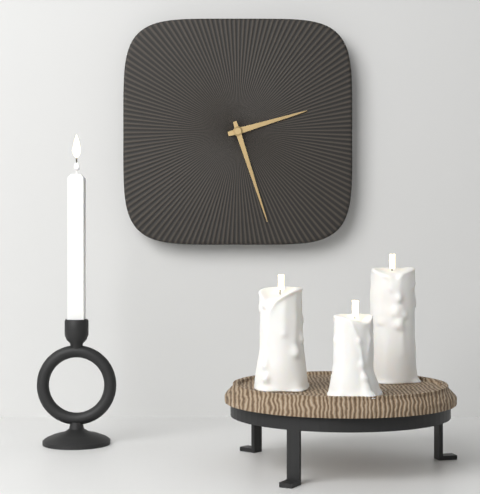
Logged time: 2.27
